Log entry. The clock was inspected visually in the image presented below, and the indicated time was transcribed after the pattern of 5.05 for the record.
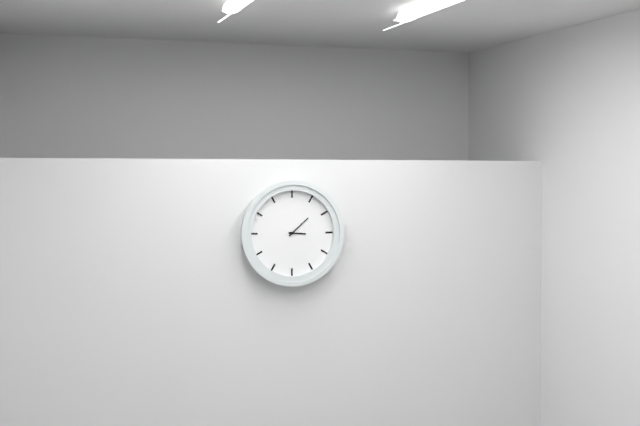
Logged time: 3.08
